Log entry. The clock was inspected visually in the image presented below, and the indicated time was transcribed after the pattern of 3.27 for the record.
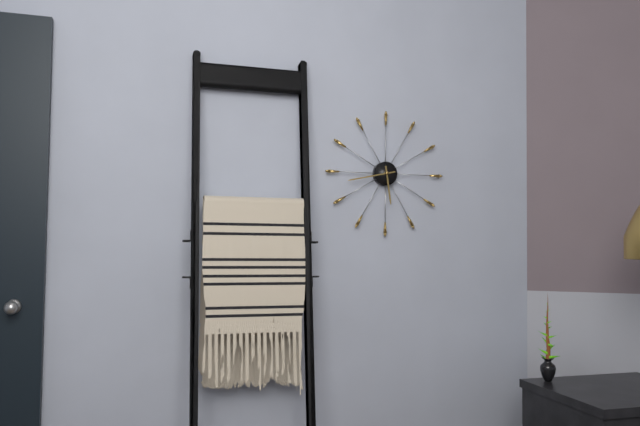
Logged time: 5.43
